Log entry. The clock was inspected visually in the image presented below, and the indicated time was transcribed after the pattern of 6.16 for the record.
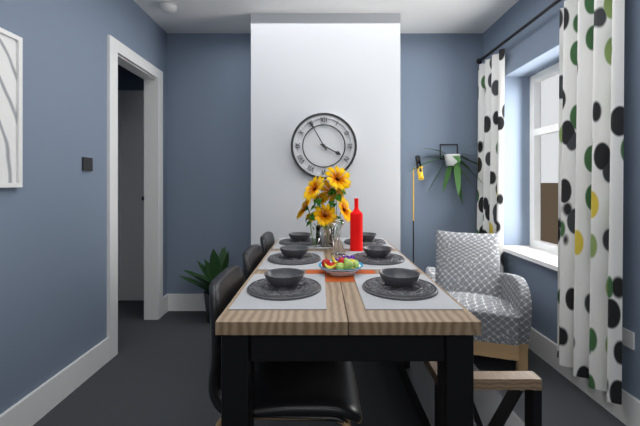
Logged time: 3.55
